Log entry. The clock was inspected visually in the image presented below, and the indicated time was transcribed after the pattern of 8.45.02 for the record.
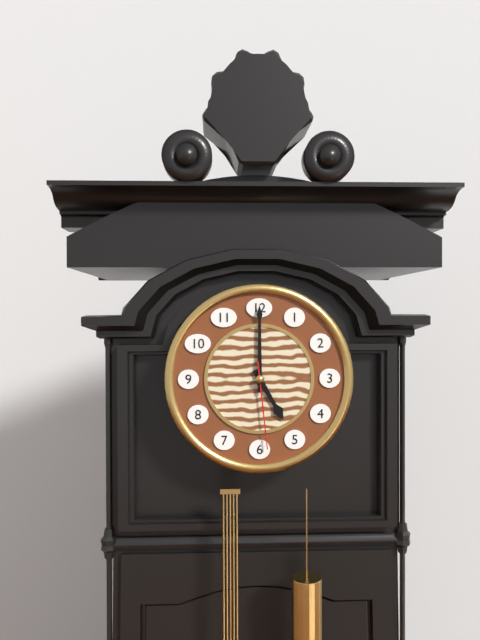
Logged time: 5.00.29
